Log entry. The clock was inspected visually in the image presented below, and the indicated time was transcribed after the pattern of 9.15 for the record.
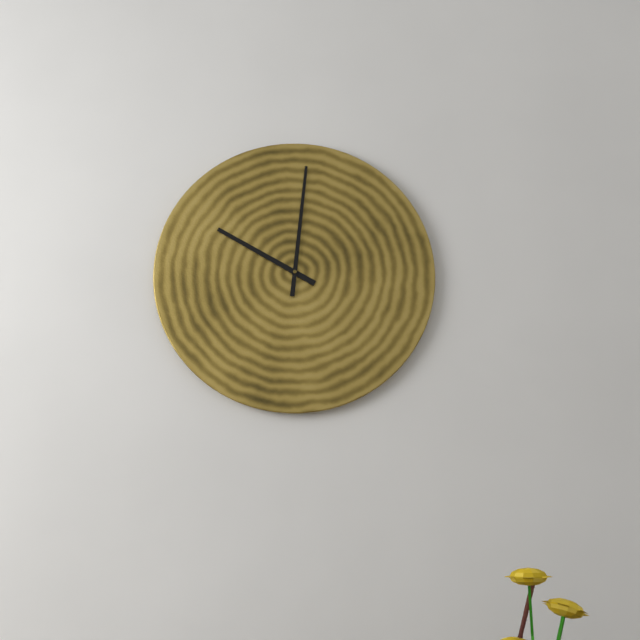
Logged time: 10.01
